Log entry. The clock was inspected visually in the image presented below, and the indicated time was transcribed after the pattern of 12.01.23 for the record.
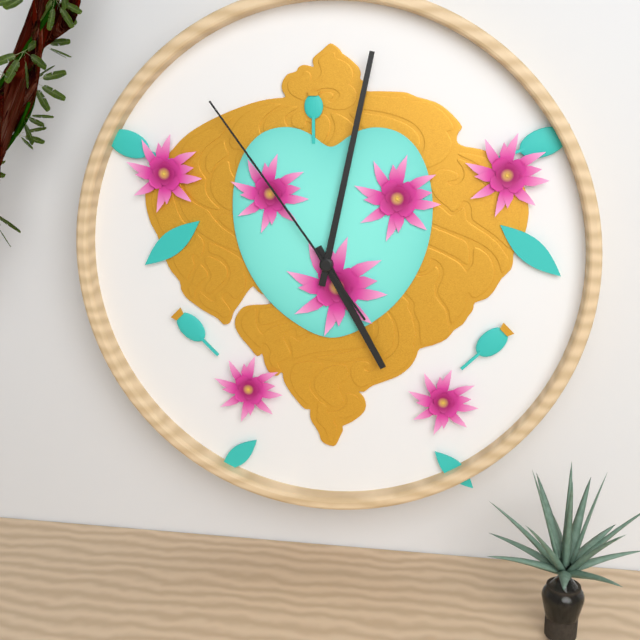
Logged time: 5.02.54
